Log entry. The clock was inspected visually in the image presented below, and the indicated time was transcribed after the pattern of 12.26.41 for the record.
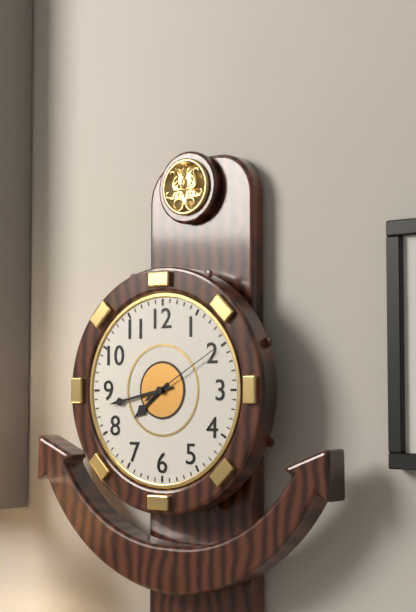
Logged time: 7.43.10
